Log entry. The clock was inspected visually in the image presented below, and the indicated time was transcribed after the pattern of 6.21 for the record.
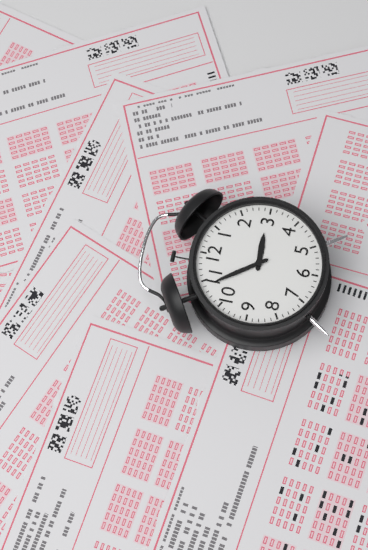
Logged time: 2.54
